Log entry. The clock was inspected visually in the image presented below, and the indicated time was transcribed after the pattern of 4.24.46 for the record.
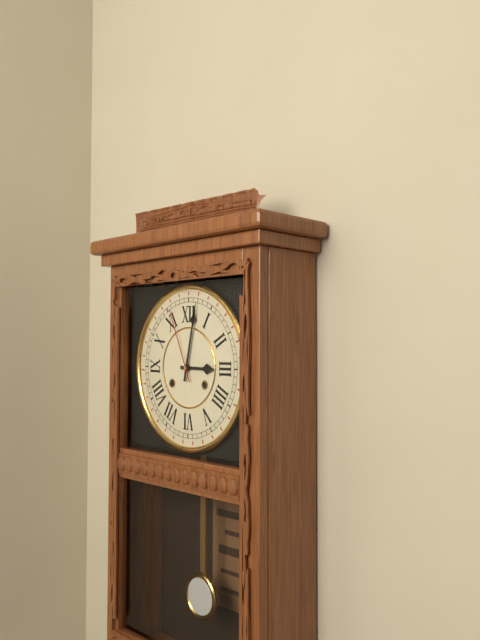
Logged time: 3.02.56
